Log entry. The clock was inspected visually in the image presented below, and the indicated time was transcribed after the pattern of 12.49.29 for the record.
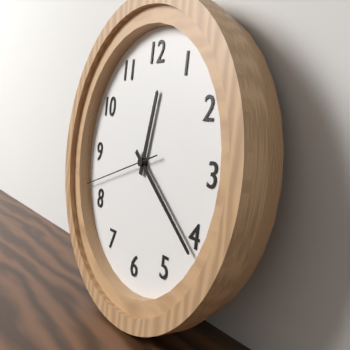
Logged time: 12.21.42
